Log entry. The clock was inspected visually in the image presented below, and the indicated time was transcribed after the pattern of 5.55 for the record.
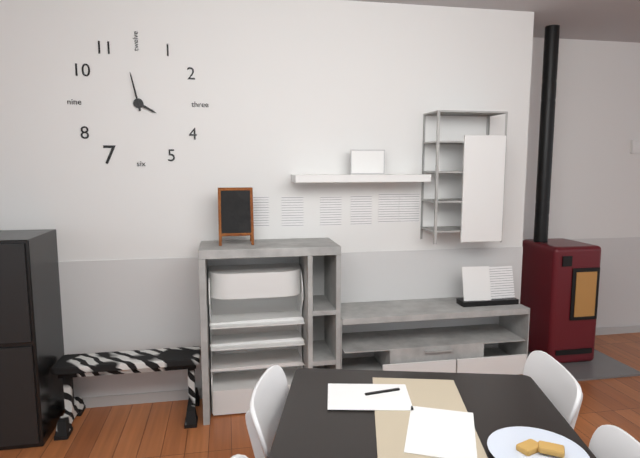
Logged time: 3.58
